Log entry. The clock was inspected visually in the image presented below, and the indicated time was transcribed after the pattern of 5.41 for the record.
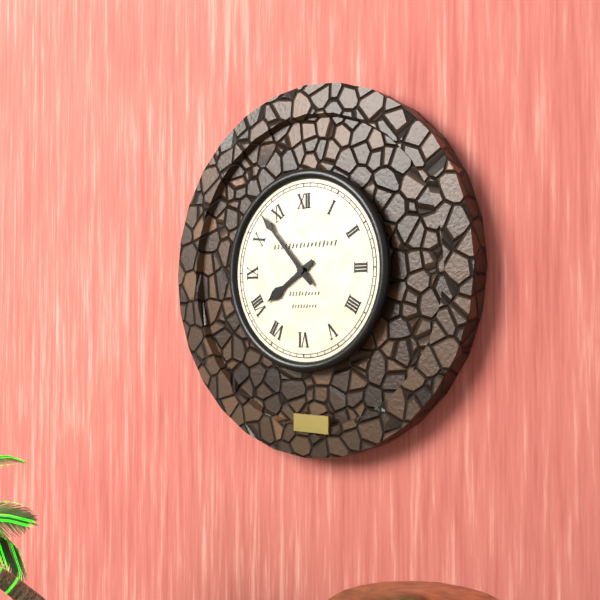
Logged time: 7.53
